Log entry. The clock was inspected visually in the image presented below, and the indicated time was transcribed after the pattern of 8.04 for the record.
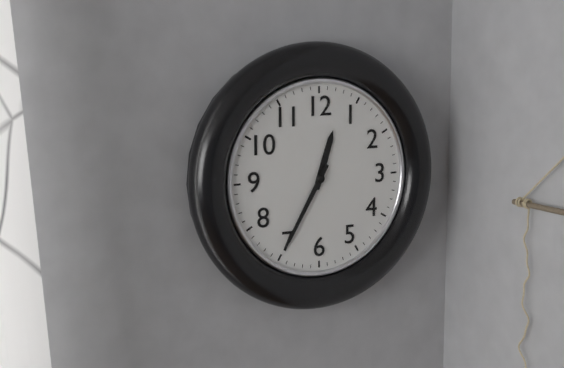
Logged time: 12.35
